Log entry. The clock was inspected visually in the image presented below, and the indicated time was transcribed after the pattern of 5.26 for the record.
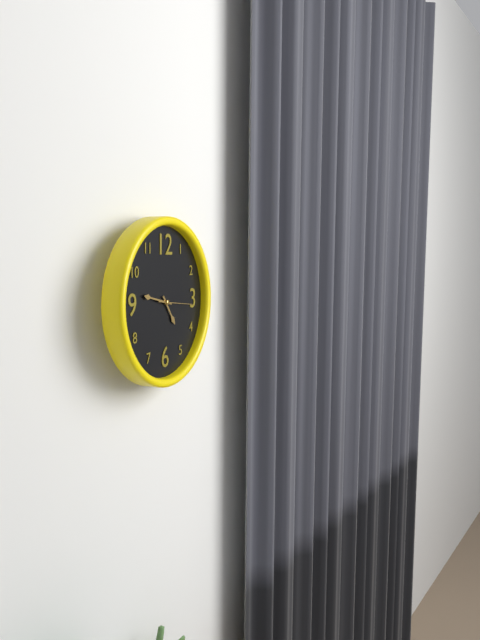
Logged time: 4.47
